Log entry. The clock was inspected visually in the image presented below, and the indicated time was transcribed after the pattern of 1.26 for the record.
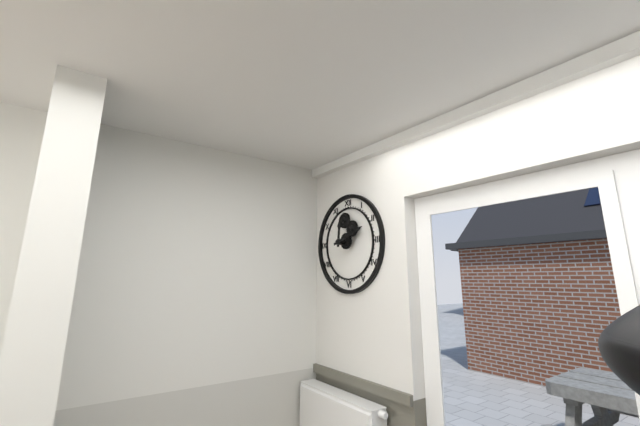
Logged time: 12.12
